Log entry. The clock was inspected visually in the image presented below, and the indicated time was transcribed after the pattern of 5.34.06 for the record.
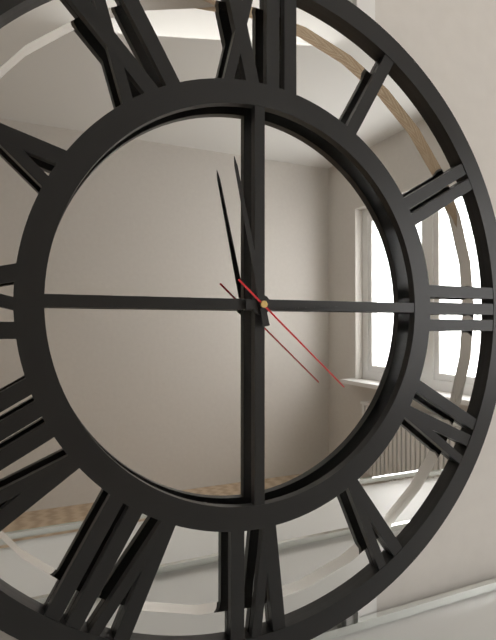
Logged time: 2.58.22
